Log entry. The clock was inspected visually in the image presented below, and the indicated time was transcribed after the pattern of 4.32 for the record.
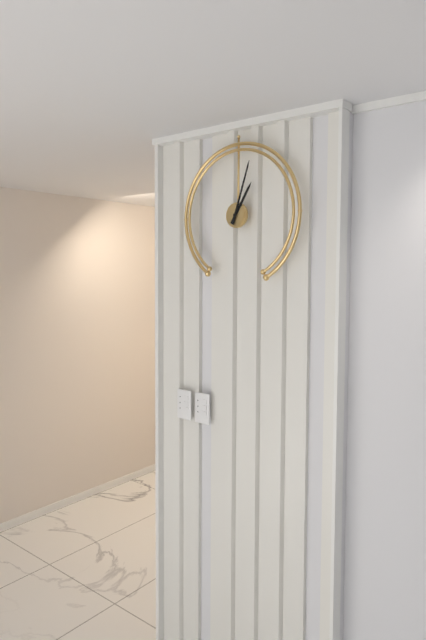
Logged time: 1.03
